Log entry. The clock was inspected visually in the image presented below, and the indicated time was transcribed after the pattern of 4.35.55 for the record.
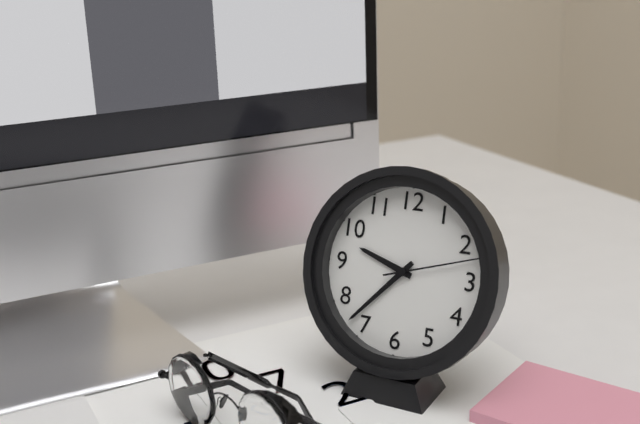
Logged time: 9.37.12
